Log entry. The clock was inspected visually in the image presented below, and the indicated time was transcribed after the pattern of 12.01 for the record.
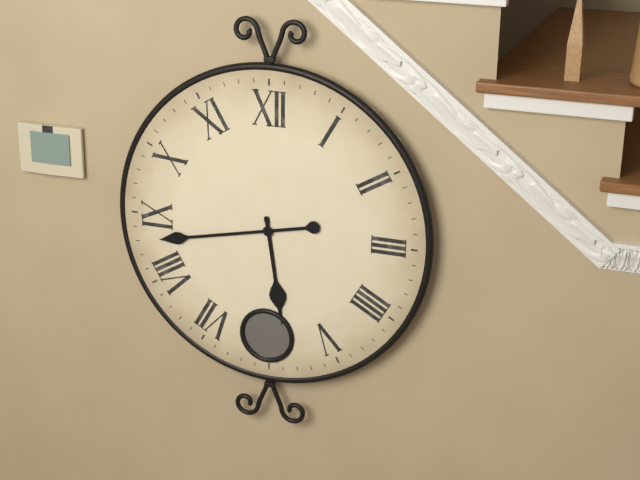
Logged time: 5.43
